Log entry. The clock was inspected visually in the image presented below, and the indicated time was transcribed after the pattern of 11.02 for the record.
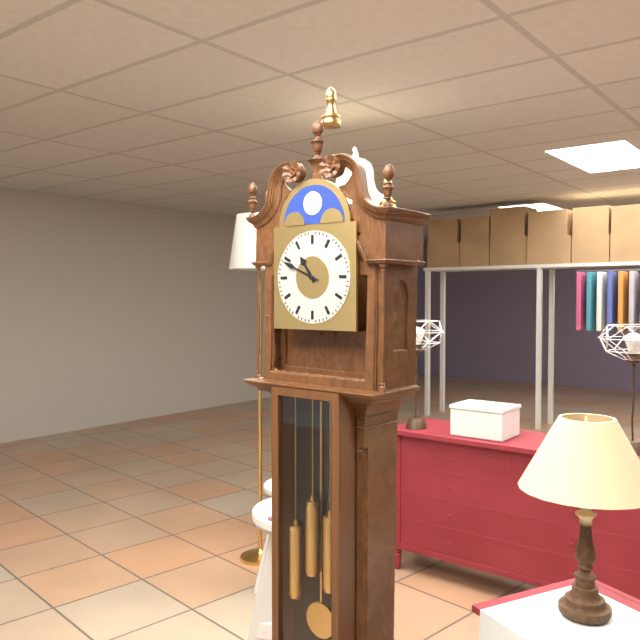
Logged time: 10.49
